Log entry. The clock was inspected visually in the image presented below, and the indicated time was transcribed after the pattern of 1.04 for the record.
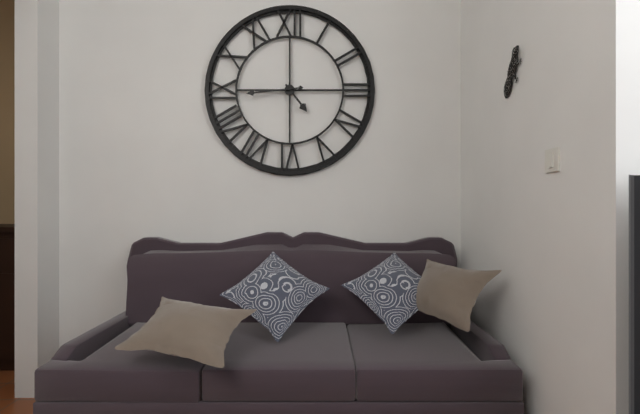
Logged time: 4.44
